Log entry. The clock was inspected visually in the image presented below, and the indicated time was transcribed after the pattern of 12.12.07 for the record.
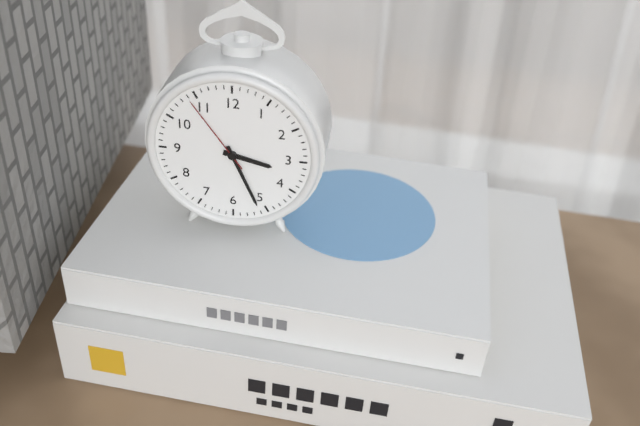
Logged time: 3.26.54
